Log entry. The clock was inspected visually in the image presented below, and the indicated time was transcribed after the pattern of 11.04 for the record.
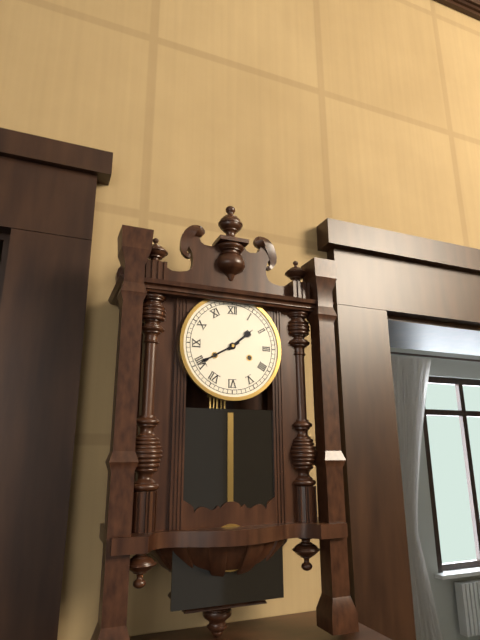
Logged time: 1.40
